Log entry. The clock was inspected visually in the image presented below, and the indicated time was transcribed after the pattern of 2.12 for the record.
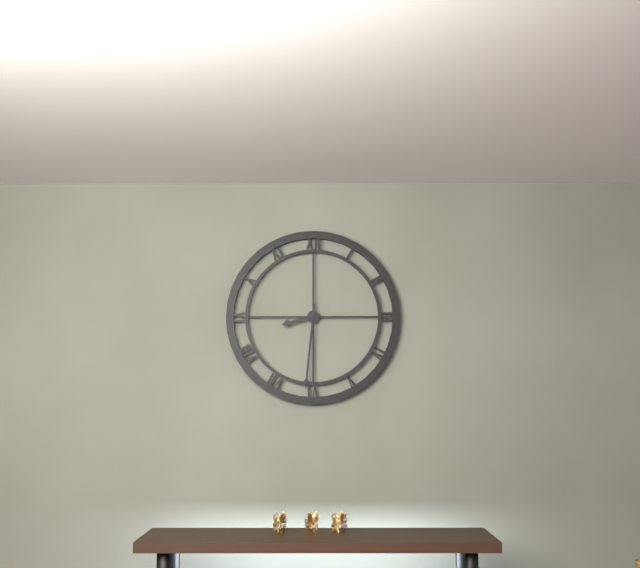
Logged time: 8.31
